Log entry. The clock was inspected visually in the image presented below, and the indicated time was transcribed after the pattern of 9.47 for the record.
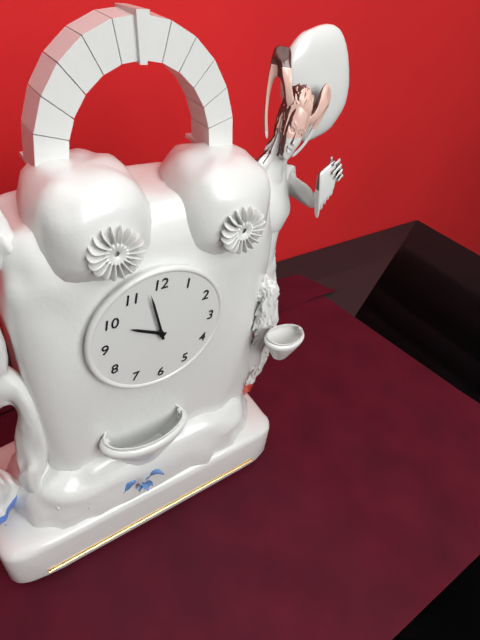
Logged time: 9.58
